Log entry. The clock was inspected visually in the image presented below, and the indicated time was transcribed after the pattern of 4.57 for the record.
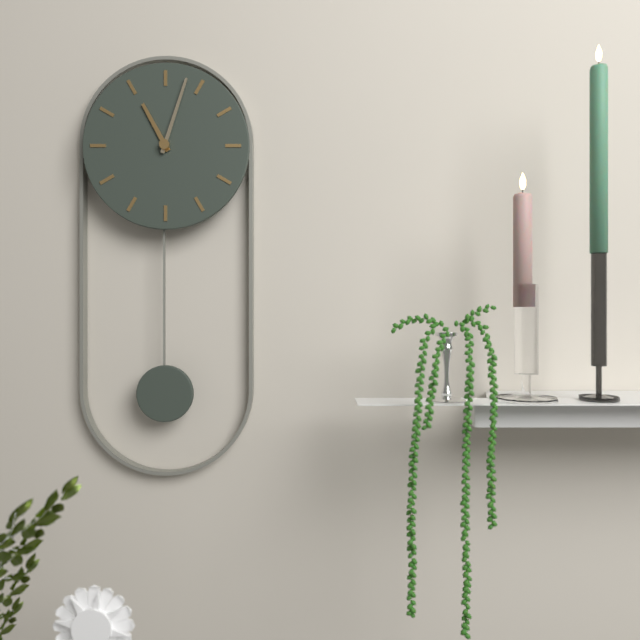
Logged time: 11.03
